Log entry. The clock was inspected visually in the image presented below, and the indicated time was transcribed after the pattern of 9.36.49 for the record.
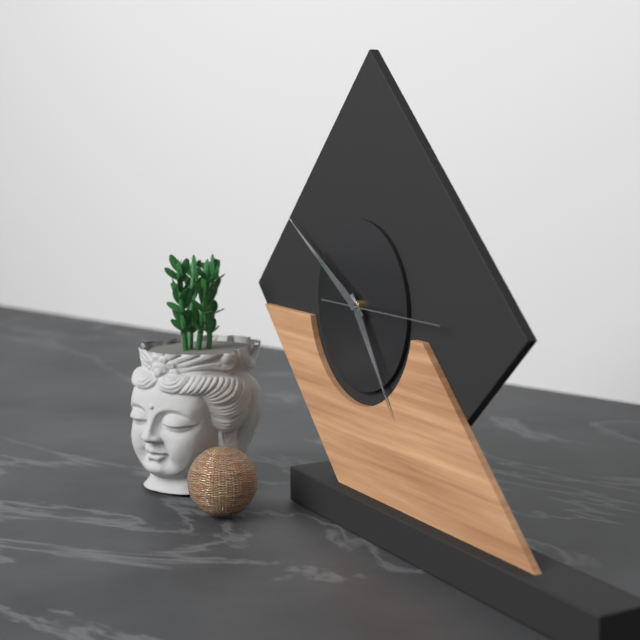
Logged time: 4.50.15
